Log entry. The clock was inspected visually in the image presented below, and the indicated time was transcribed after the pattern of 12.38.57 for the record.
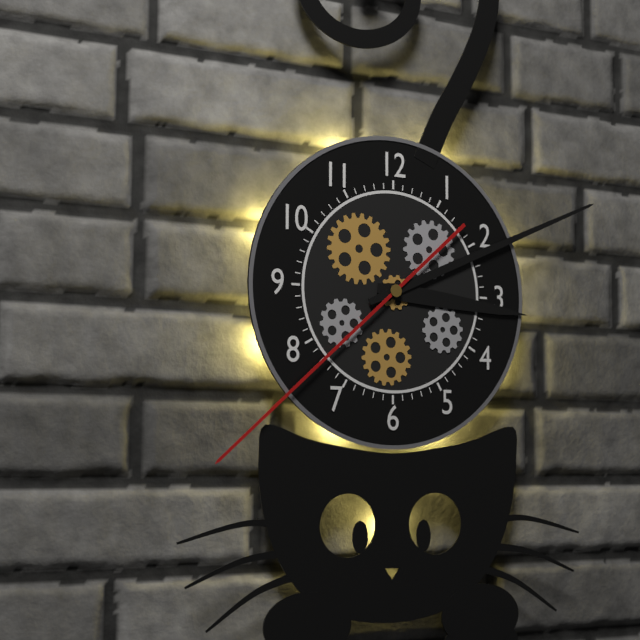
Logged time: 3.11.38
